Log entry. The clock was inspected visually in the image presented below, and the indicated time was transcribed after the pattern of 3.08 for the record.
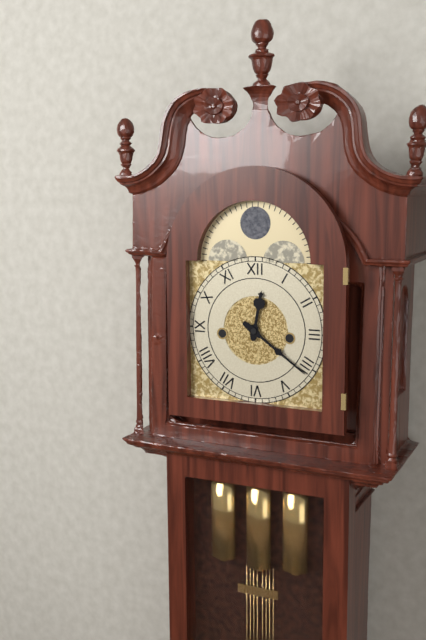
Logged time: 12.21
